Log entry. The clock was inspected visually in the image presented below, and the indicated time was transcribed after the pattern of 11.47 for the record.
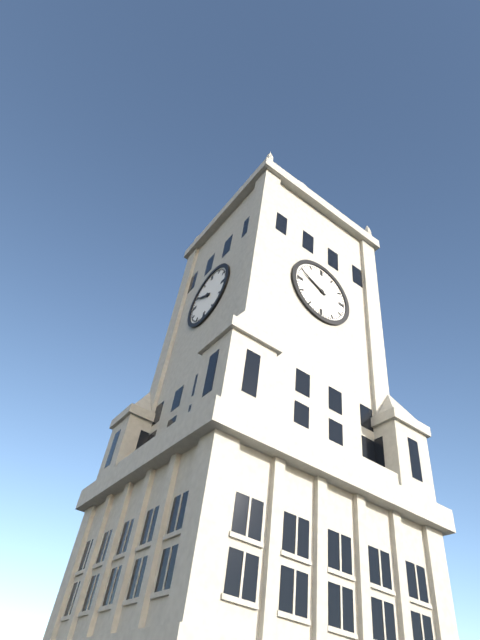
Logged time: 9.49
